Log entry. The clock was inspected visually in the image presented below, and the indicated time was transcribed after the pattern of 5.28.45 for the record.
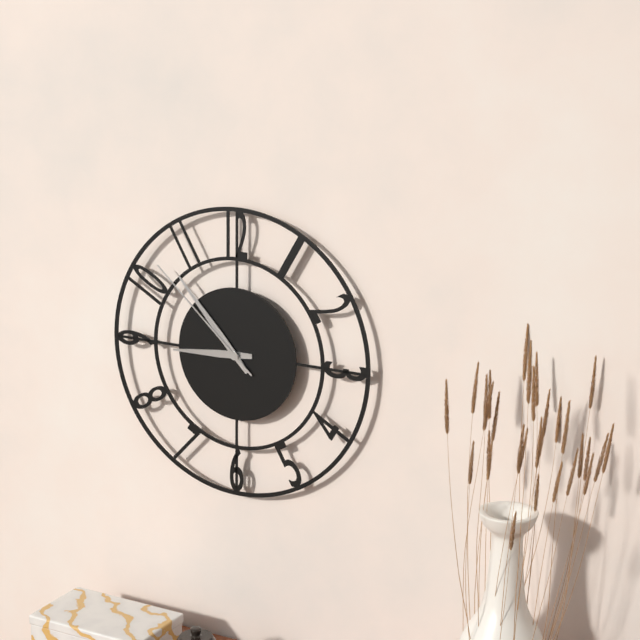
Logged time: 8.53.52
